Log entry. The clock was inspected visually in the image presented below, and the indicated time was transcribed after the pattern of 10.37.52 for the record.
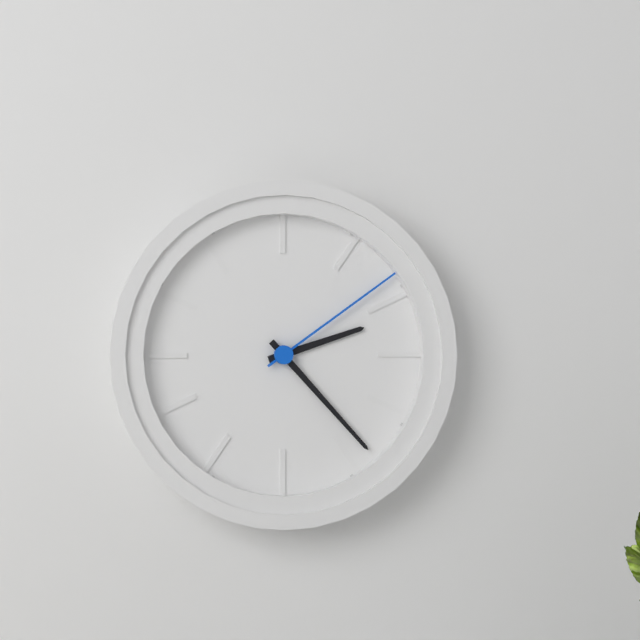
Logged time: 2.23.09
